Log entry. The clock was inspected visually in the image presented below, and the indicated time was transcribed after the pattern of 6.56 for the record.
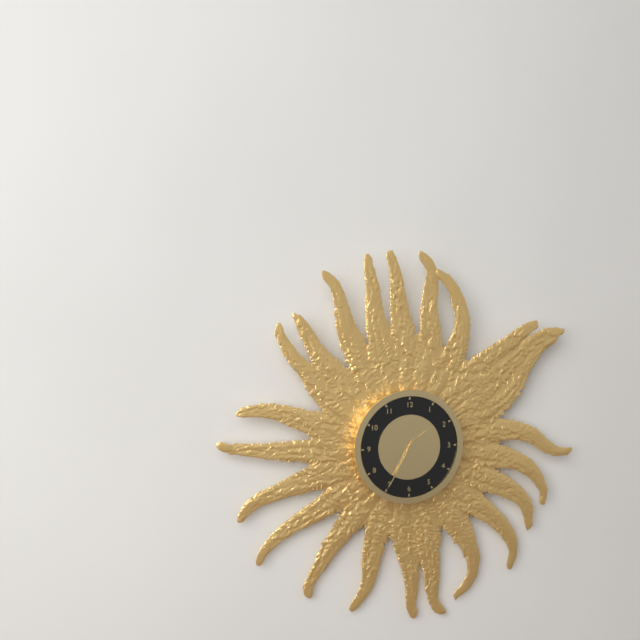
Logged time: 1.35
